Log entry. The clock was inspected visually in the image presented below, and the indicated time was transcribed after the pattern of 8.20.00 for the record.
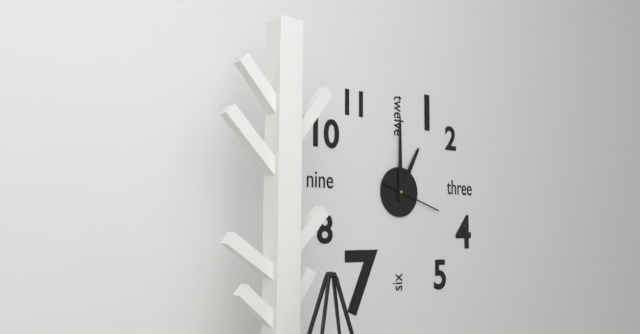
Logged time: 1.00.18
